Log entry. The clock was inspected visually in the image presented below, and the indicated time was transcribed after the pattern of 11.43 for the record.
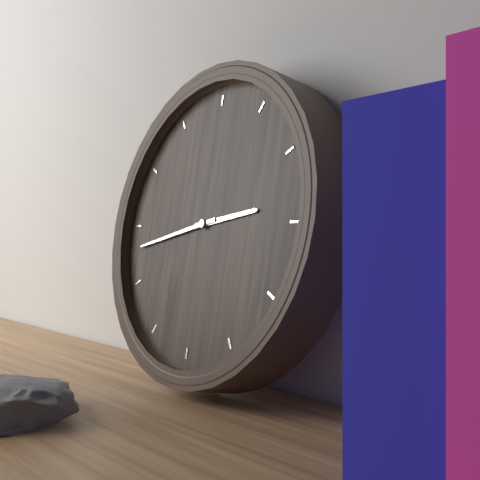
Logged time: 2.43
